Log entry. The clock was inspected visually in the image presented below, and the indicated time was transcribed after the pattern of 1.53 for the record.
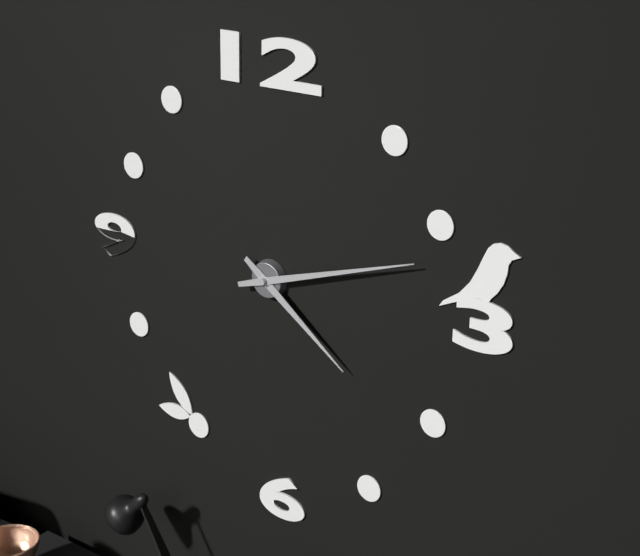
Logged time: 4.12
